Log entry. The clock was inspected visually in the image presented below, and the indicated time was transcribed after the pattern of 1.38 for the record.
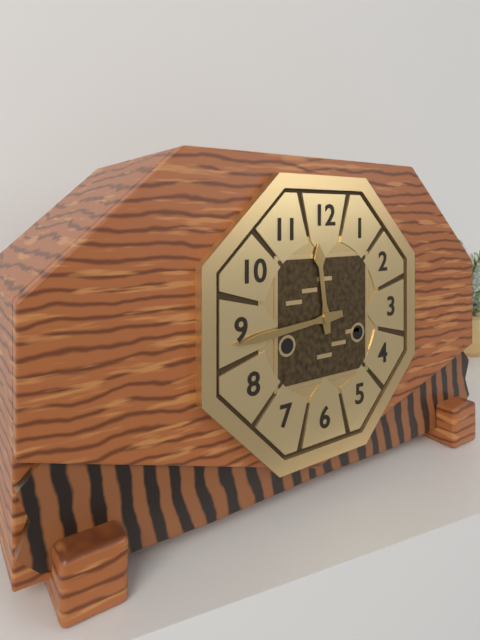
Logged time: 11.44
